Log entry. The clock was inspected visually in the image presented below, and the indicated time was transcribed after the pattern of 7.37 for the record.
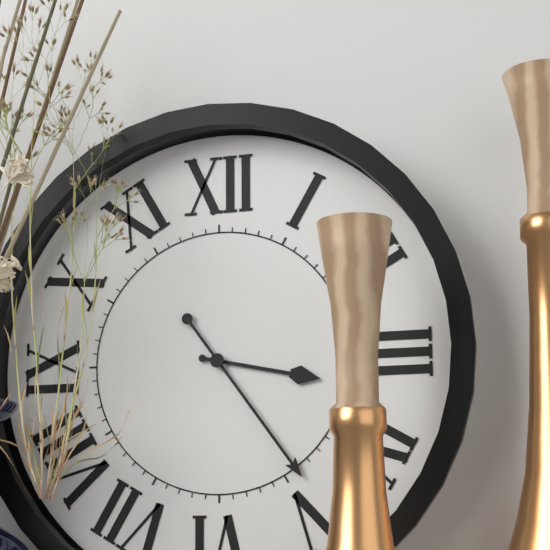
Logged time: 3.24
